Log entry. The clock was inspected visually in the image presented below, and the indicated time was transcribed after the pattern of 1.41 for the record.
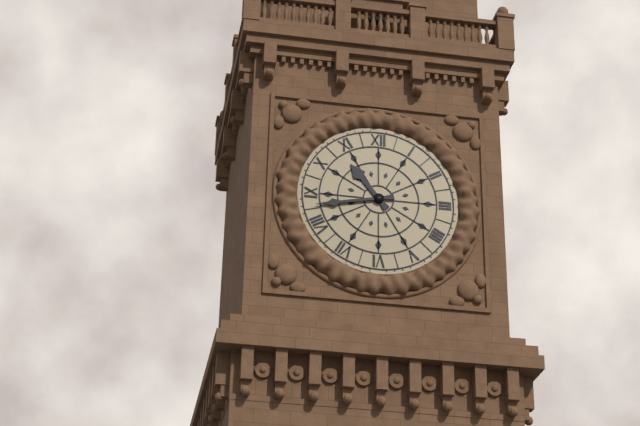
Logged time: 10.43
